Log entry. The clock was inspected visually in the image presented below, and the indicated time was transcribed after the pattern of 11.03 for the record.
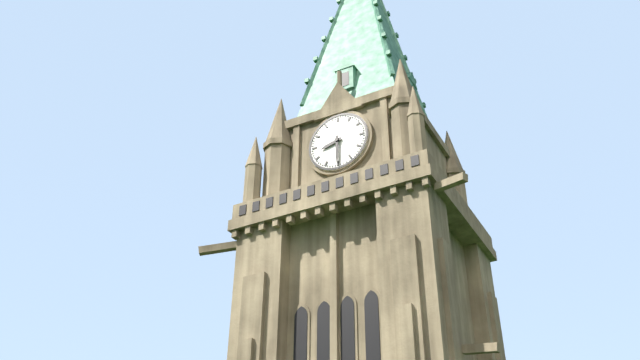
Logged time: 8.30
